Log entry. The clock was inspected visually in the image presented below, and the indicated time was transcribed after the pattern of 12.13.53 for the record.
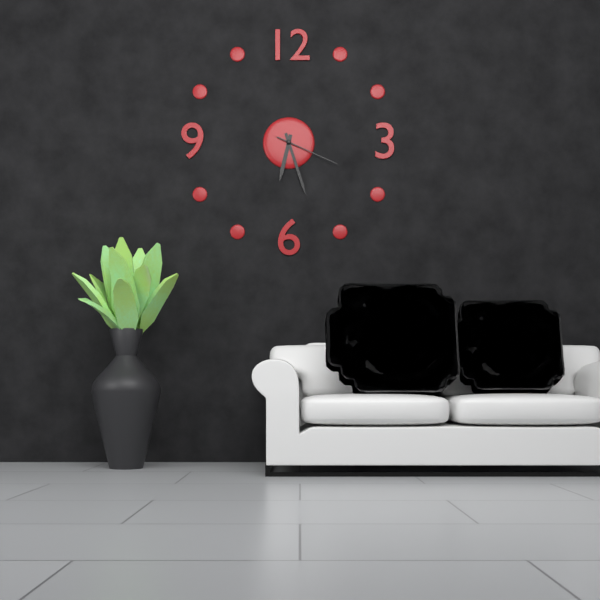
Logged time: 6.27.19
